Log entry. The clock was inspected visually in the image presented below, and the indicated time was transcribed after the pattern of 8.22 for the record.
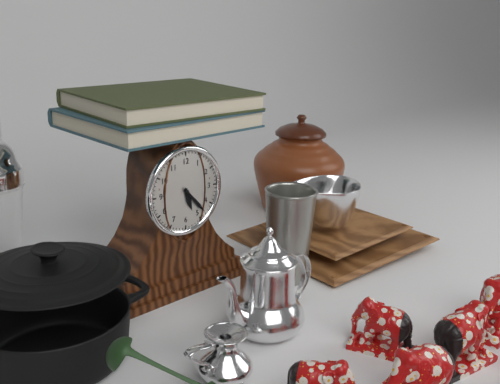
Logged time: 5.23
